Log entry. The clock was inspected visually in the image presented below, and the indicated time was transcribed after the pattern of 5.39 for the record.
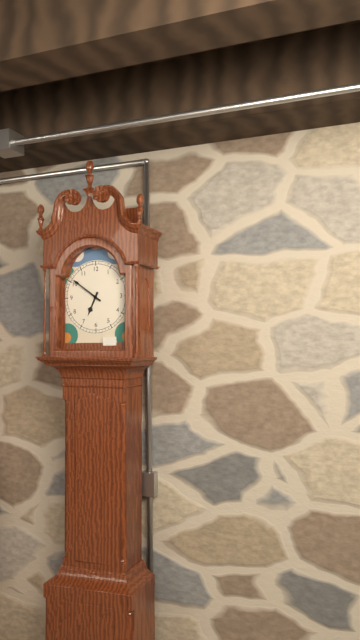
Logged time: 6.51
